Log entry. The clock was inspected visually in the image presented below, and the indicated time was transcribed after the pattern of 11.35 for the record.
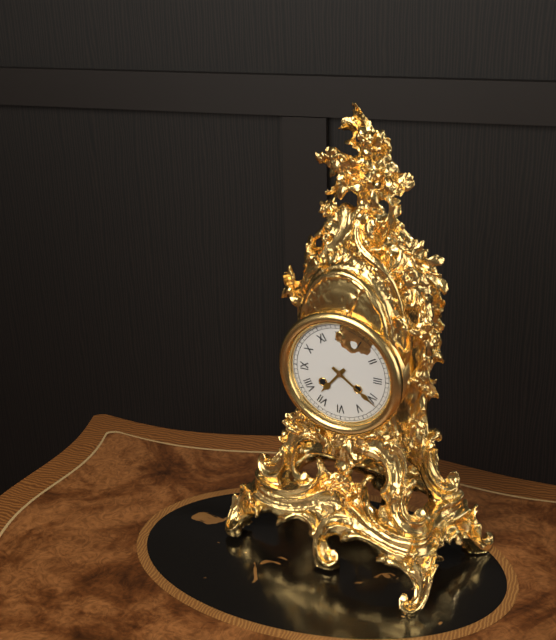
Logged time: 7.21
